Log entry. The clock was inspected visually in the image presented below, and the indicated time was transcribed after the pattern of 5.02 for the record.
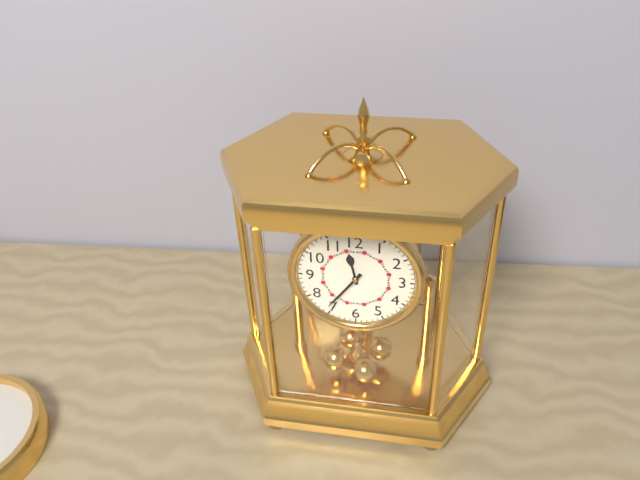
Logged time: 11.36
